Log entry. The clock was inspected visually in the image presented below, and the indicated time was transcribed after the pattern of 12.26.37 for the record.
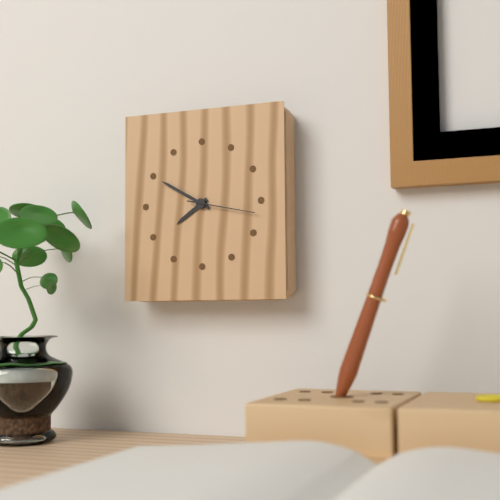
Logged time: 7.50.17
